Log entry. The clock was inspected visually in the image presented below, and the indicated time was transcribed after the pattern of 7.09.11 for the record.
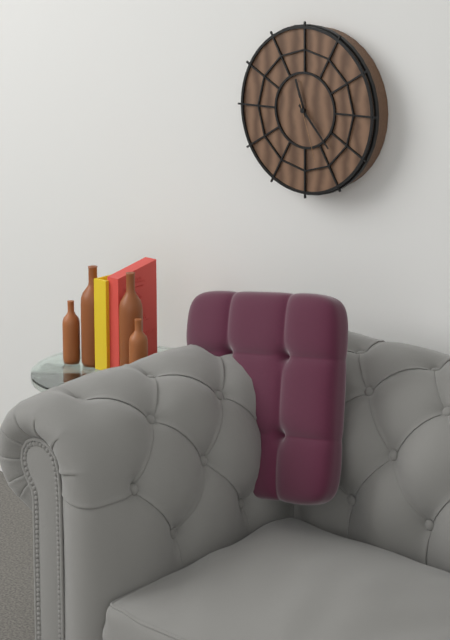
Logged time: 11.23.27
